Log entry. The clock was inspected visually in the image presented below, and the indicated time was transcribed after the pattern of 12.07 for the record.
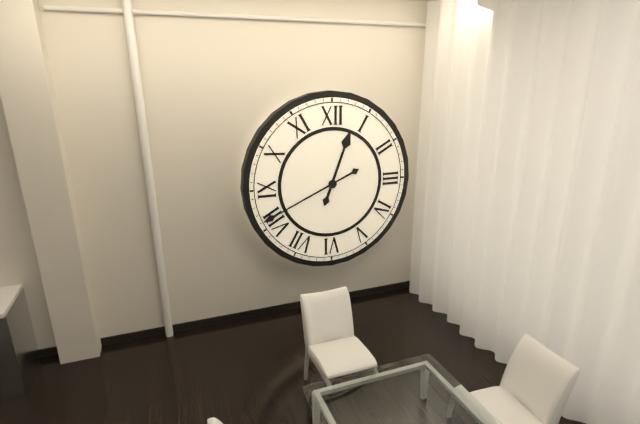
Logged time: 12.41
